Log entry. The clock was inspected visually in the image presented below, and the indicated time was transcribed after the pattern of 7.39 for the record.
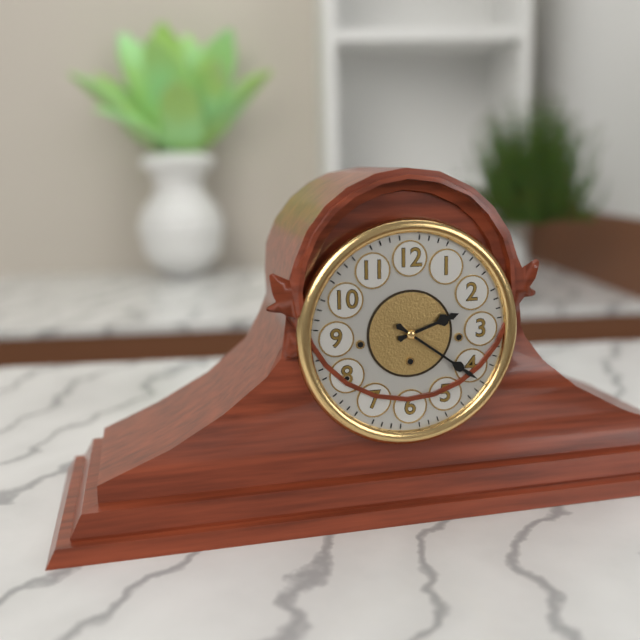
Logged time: 2.21
